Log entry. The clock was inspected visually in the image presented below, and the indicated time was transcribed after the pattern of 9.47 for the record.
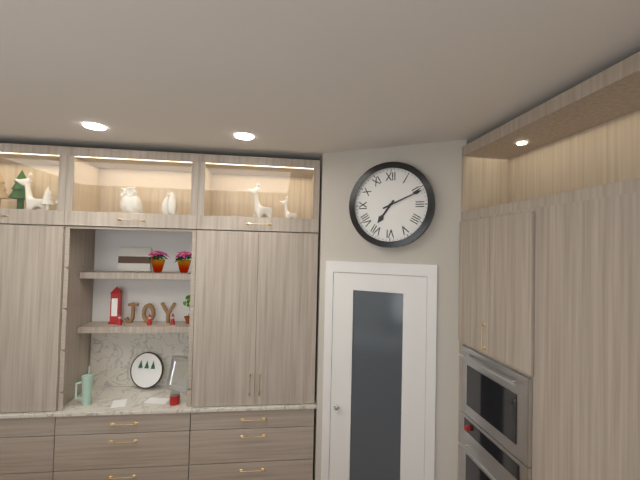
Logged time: 7.11
